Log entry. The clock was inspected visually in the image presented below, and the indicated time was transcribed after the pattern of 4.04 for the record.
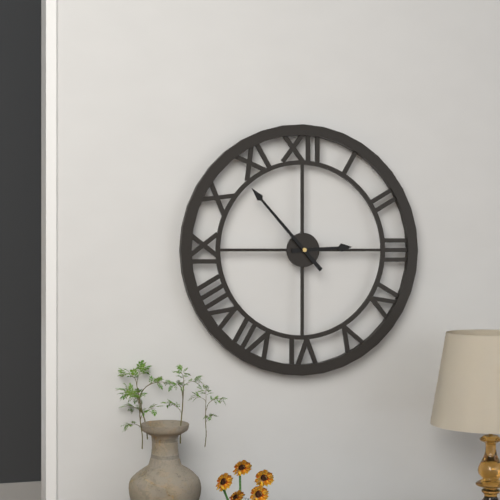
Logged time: 2.53
